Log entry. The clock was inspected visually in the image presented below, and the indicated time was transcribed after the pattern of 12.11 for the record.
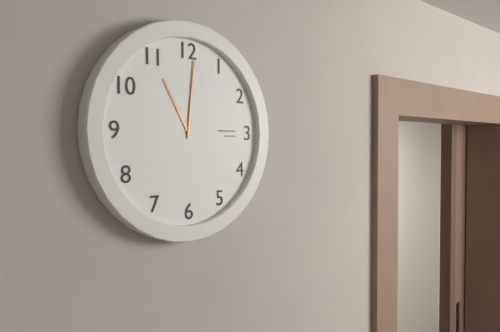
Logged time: 11.01
